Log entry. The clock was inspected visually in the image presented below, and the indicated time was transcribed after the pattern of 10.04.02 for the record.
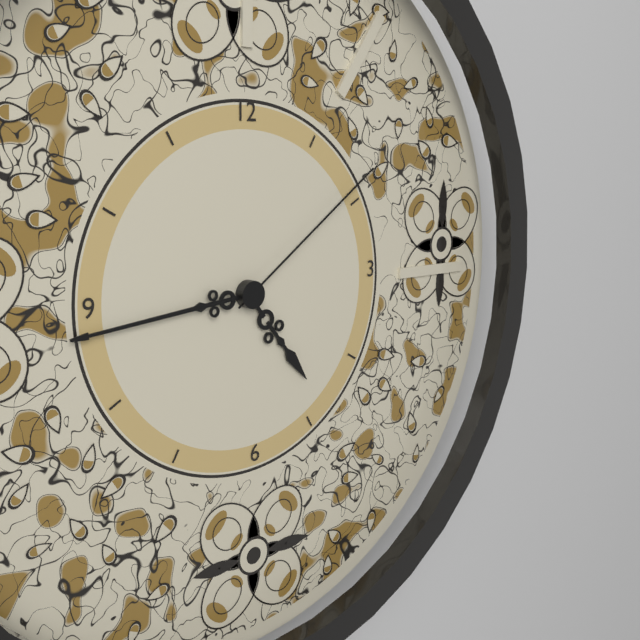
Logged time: 4.44.09
